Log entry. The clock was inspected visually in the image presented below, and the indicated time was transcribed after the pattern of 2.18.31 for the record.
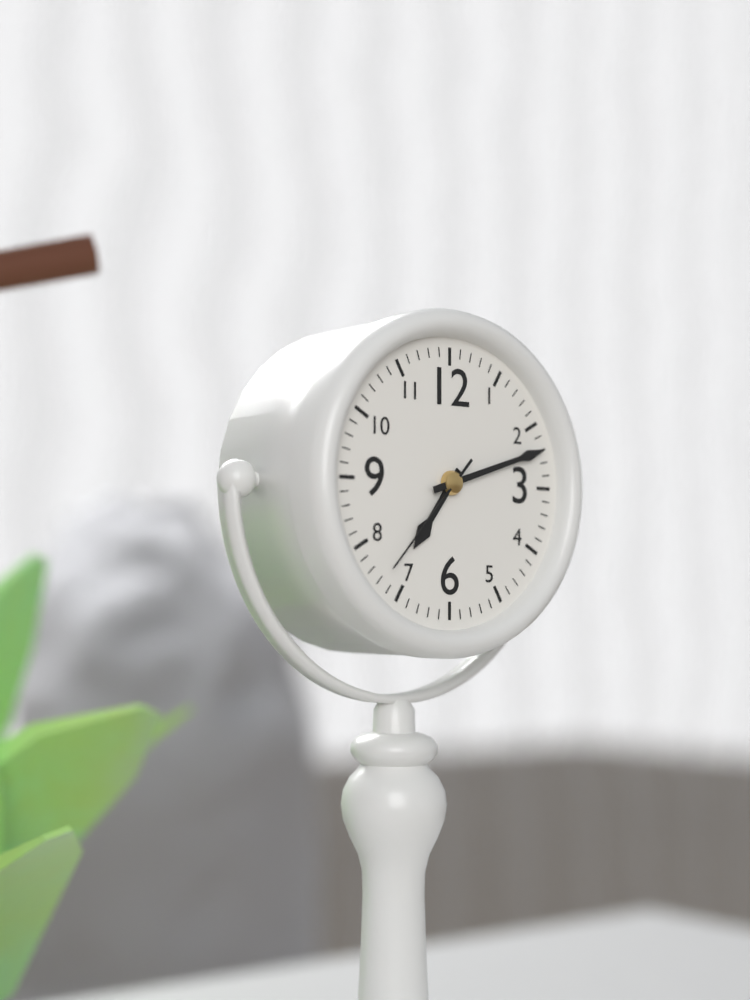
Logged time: 7.12.37
